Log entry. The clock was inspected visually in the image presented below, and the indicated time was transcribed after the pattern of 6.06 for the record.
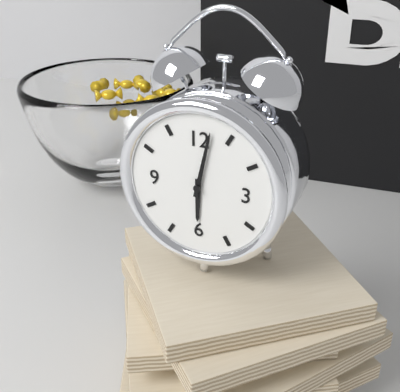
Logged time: 6.02
